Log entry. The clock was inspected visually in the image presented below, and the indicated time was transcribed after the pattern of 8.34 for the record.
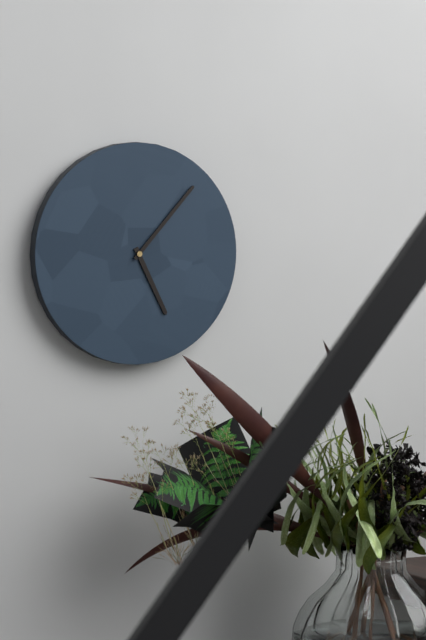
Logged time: 5.07
